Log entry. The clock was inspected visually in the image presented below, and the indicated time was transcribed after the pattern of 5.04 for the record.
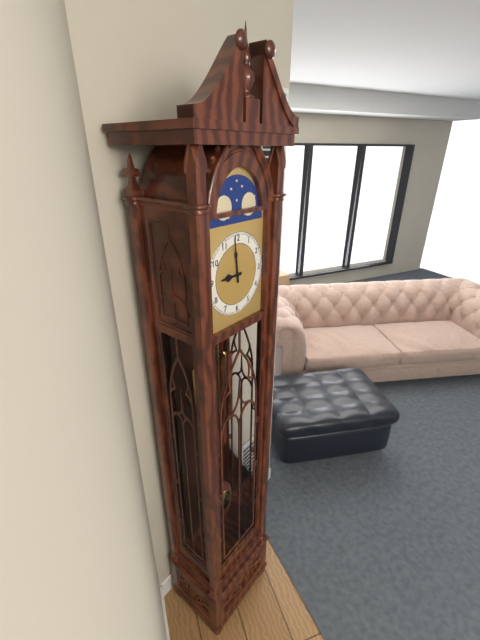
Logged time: 8.59
